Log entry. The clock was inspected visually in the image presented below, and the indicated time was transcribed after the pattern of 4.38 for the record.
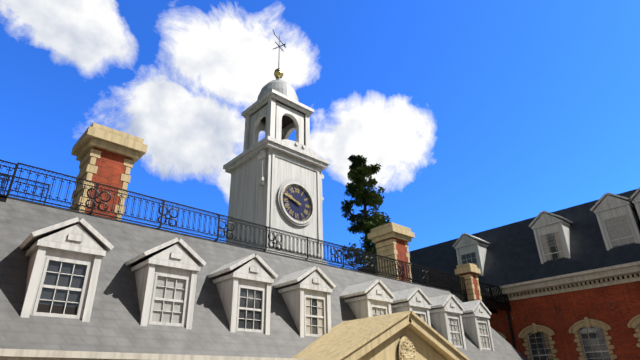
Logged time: 9.48
